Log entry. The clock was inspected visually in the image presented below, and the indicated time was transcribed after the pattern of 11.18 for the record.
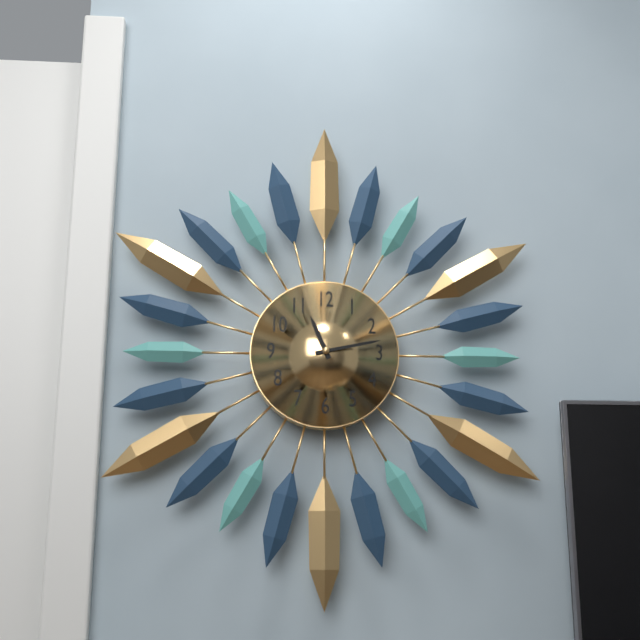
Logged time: 11.13
